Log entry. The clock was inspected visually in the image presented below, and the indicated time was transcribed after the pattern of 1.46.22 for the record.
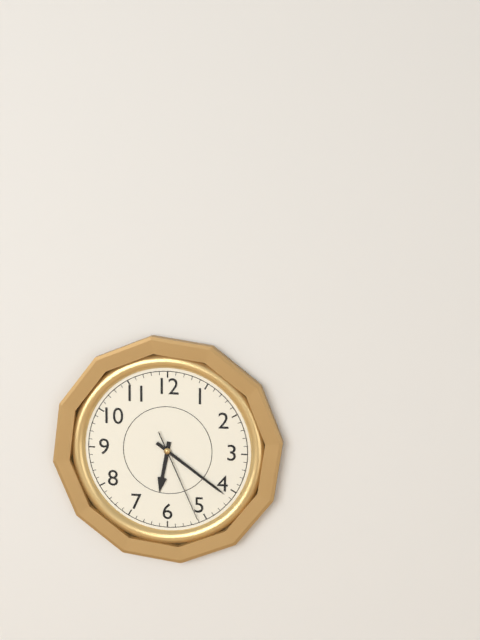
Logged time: 6.21.26
